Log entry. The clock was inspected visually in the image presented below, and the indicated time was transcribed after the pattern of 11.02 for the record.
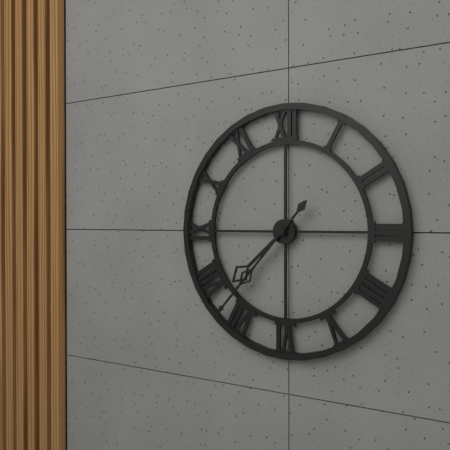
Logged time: 7.37
